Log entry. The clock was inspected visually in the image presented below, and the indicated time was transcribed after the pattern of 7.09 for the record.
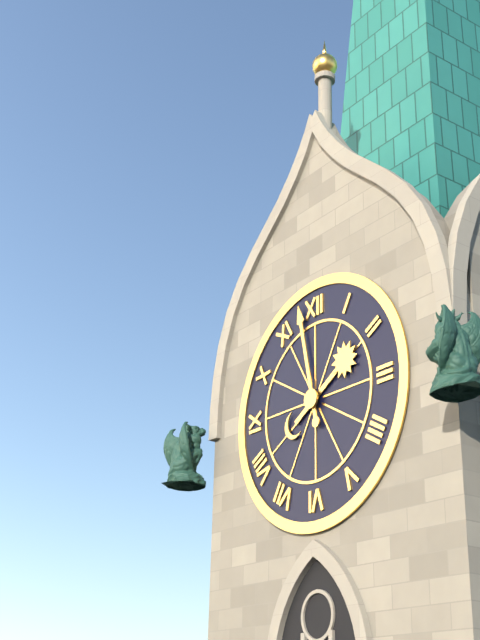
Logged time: 1.58
